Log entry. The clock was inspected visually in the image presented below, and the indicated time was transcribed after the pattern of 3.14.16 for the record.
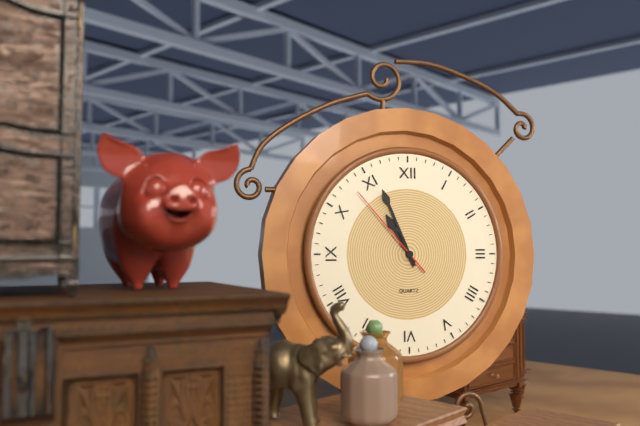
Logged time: 10.56.53
